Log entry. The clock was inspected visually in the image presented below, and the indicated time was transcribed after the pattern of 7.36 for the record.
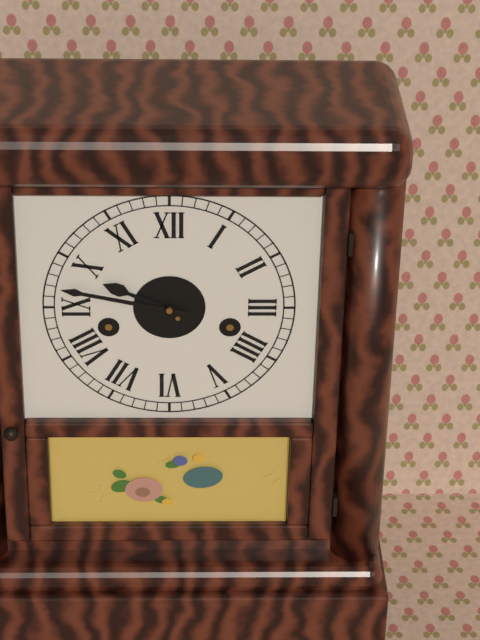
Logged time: 9.47
